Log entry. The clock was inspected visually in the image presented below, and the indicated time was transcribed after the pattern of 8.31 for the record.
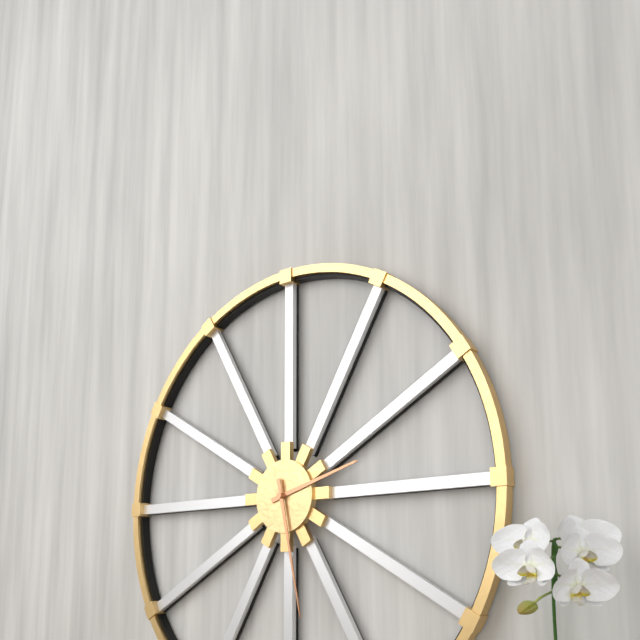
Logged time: 2.28
